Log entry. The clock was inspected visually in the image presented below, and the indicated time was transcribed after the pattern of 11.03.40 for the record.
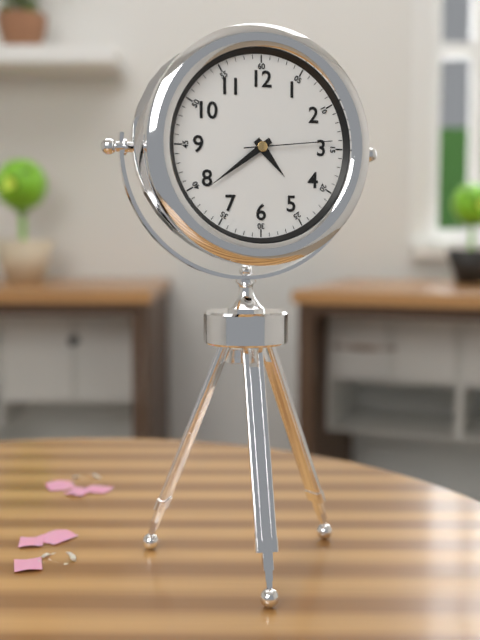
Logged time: 4.39.14
